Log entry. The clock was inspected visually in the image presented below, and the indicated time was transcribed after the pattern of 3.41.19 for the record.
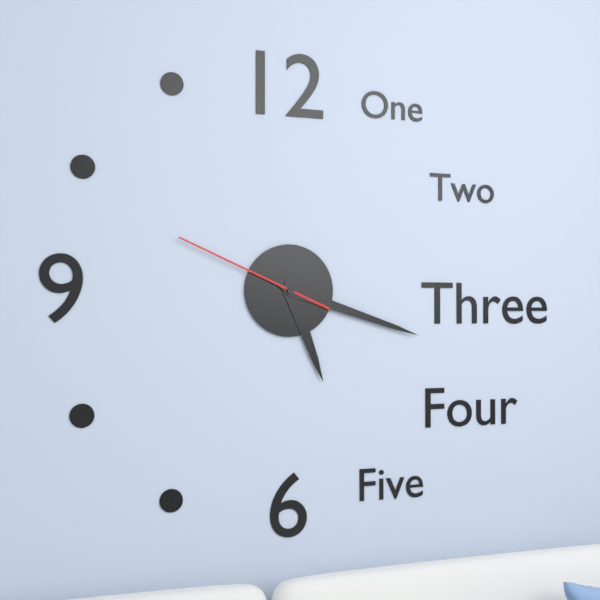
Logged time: 5.18.49
